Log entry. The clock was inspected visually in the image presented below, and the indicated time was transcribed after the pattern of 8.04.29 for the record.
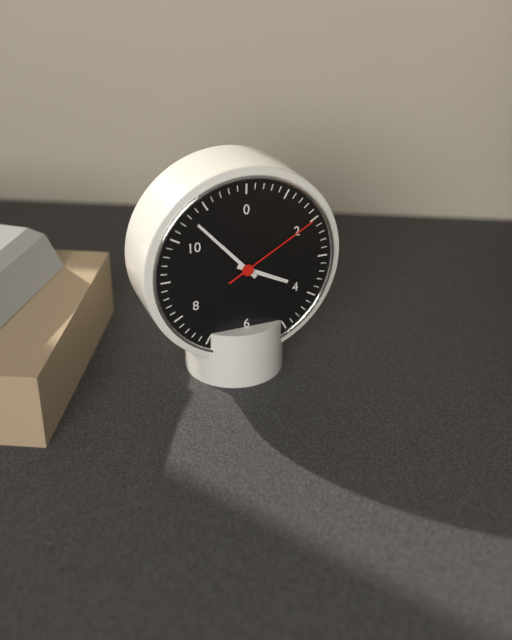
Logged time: 3.53.10
